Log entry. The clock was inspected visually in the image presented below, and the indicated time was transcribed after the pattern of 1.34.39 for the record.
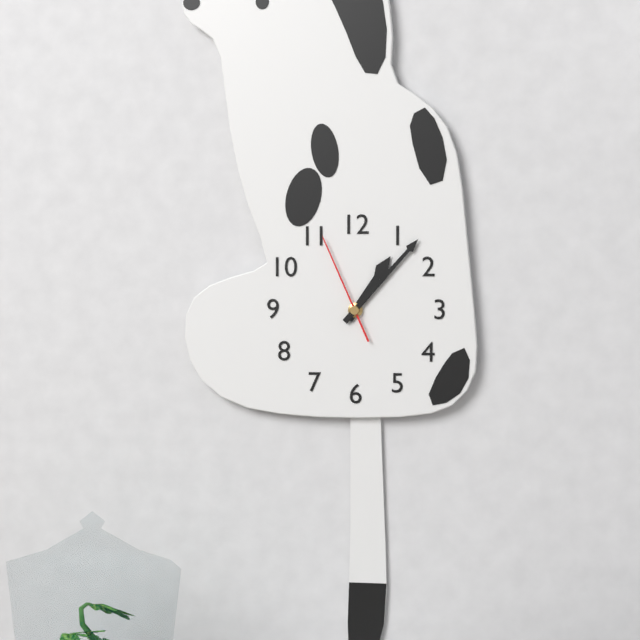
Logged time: 1.07.56
